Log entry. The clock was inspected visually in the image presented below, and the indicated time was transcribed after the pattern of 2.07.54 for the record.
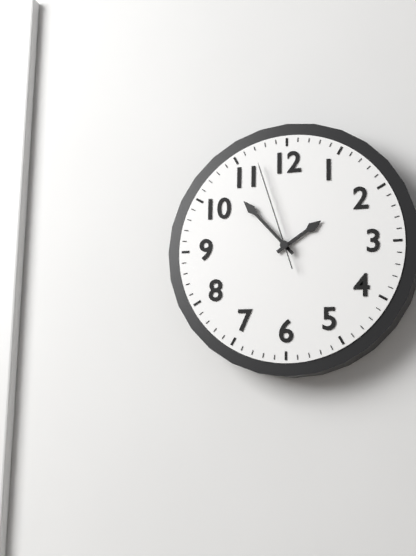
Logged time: 1.53.57
